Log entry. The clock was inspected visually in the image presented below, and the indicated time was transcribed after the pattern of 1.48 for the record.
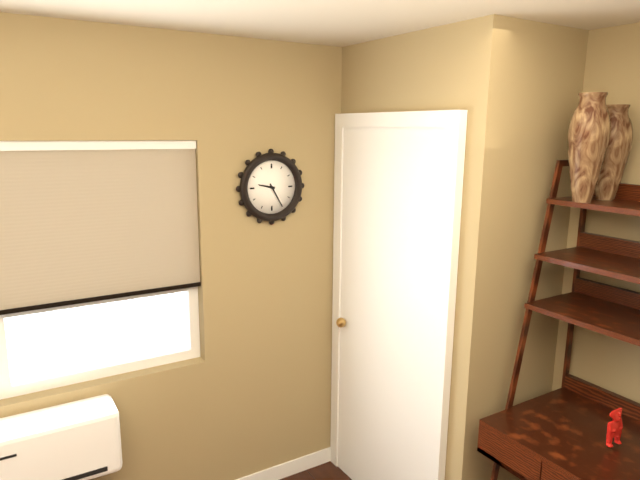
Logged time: 9.25
